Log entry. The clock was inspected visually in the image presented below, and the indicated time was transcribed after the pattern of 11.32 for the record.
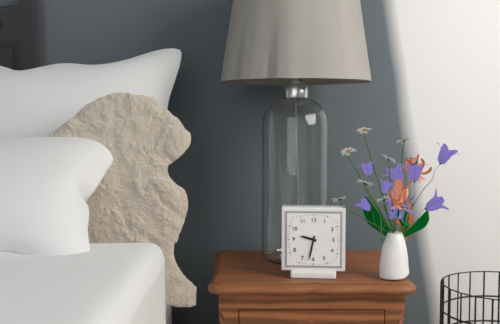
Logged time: 9.32
